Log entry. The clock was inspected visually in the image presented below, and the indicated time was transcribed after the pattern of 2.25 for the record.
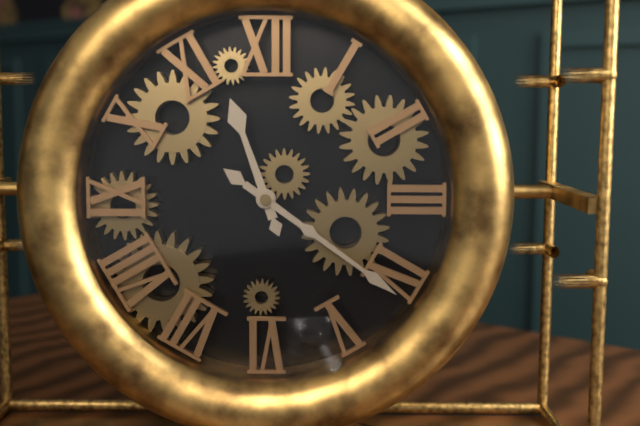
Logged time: 11.21
